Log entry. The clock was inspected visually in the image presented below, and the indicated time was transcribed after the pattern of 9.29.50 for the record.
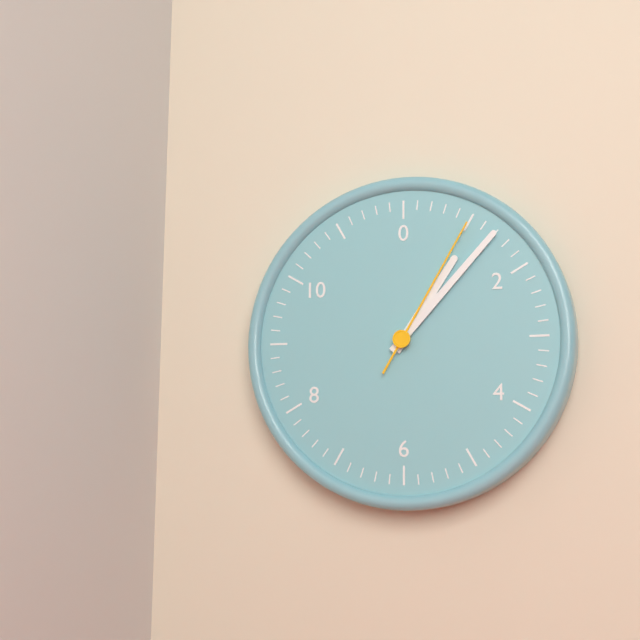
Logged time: 1.07.05
